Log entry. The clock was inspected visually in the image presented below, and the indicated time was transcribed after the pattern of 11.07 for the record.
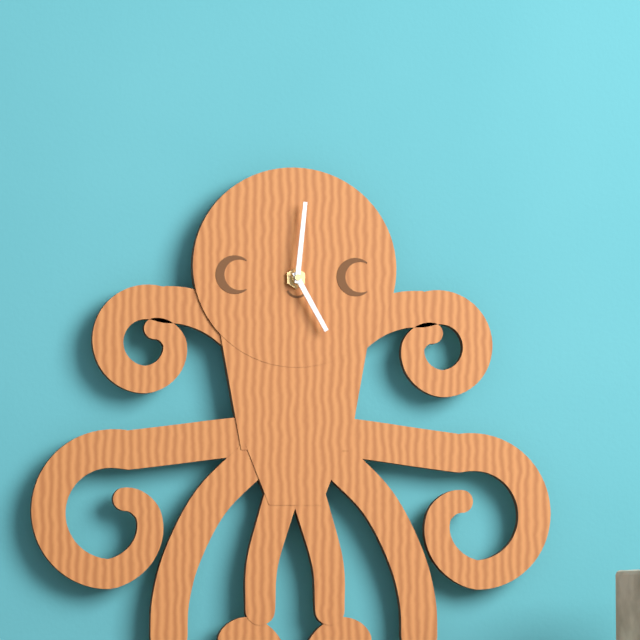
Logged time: 5.01
